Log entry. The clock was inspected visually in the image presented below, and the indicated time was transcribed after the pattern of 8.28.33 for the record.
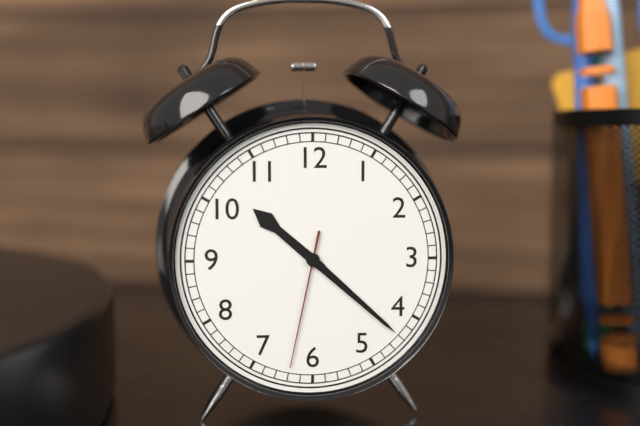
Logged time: 10.22.32
